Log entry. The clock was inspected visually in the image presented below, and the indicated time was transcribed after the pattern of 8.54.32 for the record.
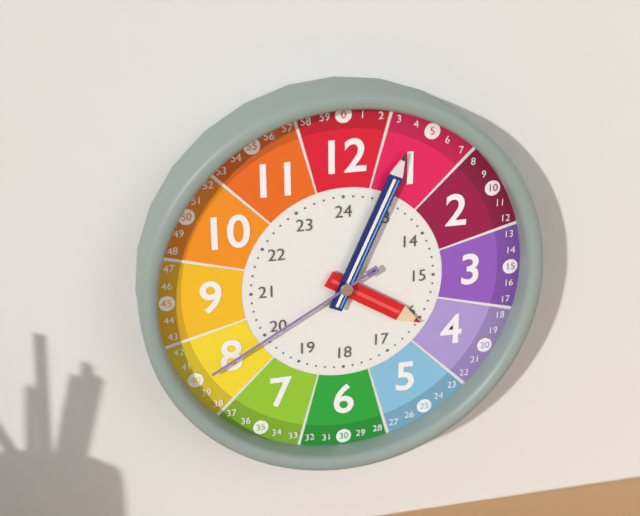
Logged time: 4.04.40
